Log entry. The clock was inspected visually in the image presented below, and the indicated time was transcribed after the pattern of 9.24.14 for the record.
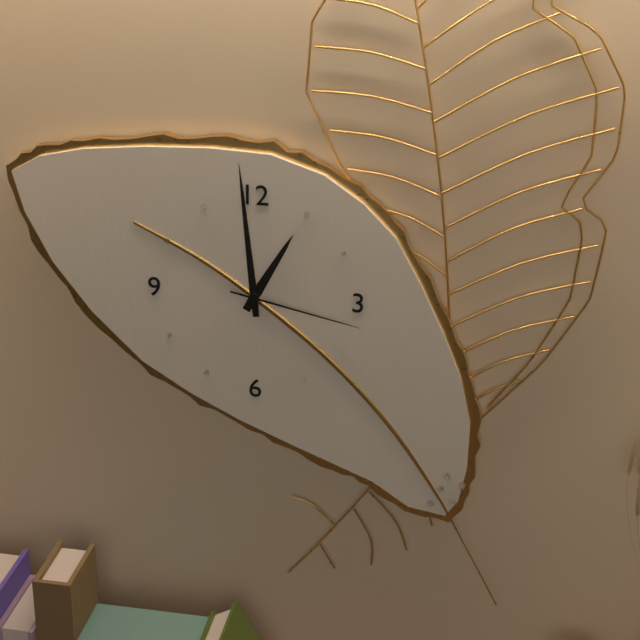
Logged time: 12.59.17
